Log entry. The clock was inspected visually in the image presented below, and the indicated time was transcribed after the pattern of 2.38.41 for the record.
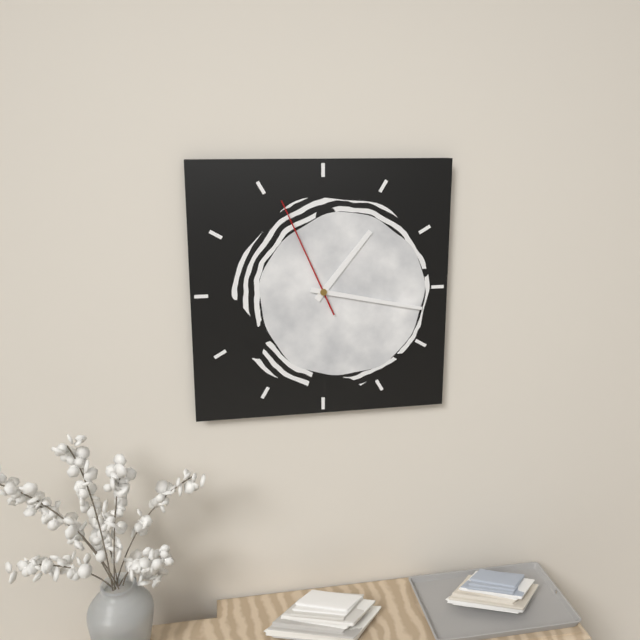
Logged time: 1.17.56
